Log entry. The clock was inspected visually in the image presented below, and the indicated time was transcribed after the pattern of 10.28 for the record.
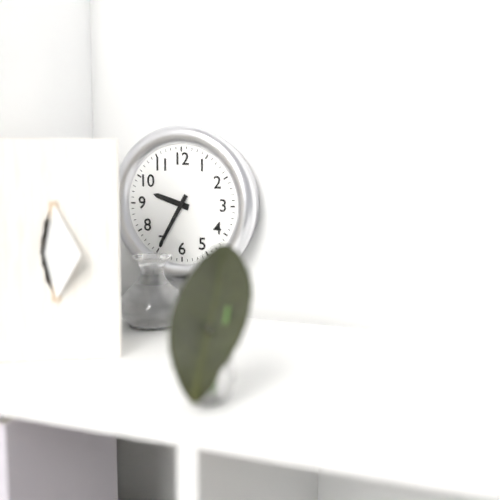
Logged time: 9.35
